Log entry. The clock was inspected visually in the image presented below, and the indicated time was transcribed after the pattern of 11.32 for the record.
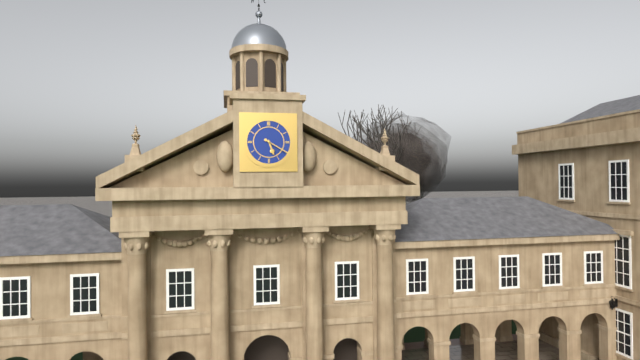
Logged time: 5.20
